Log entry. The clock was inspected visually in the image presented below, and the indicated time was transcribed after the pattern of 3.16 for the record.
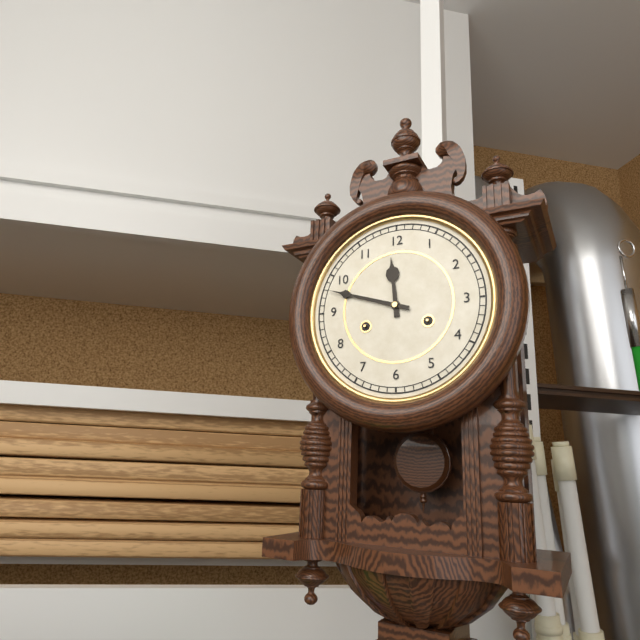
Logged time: 11.48
